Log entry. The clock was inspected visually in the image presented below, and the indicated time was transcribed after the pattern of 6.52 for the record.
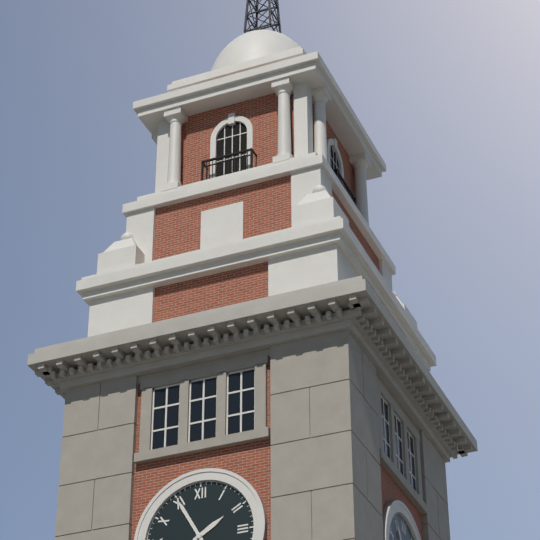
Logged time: 1.55
